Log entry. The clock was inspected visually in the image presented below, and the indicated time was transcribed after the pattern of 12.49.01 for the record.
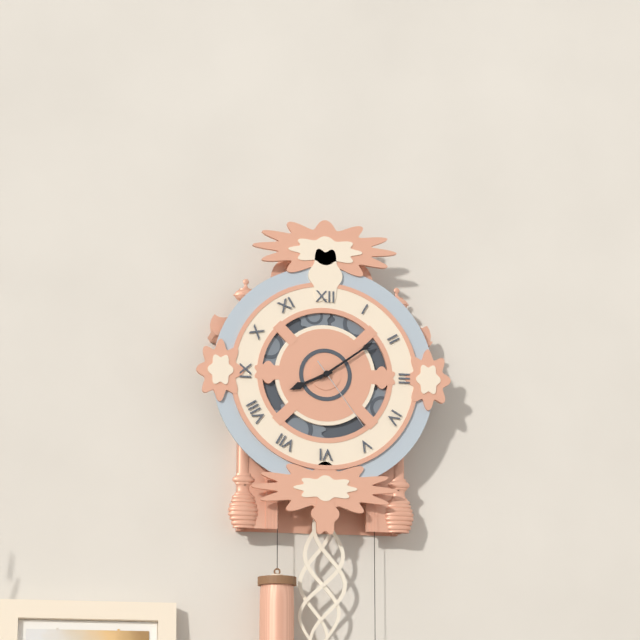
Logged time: 8.09.24
